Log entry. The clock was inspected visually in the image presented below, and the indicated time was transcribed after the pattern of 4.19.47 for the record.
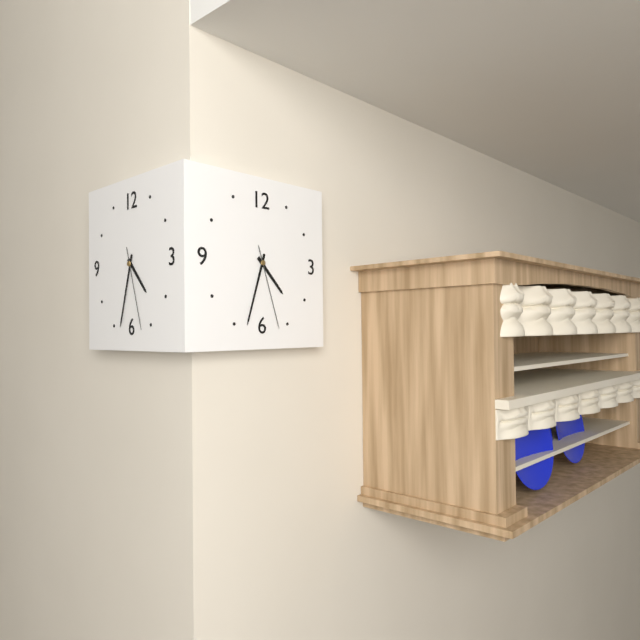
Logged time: 4.33.27
